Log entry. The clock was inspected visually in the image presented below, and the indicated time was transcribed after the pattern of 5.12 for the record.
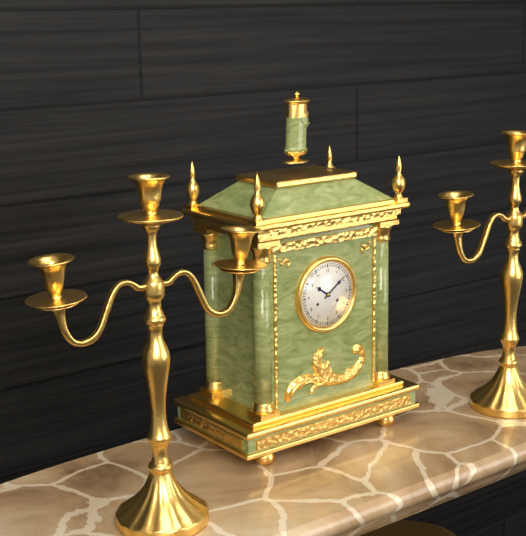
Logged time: 10.09
